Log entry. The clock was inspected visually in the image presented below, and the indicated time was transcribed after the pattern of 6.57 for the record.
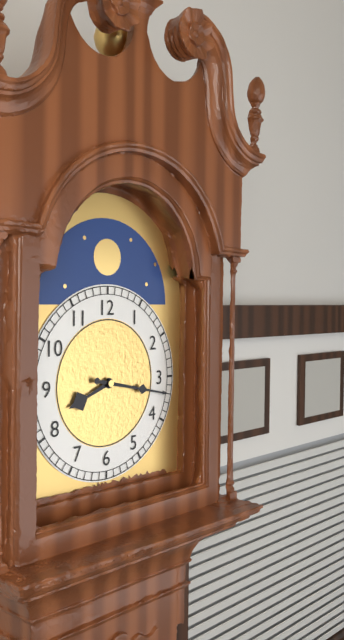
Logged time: 8.17
